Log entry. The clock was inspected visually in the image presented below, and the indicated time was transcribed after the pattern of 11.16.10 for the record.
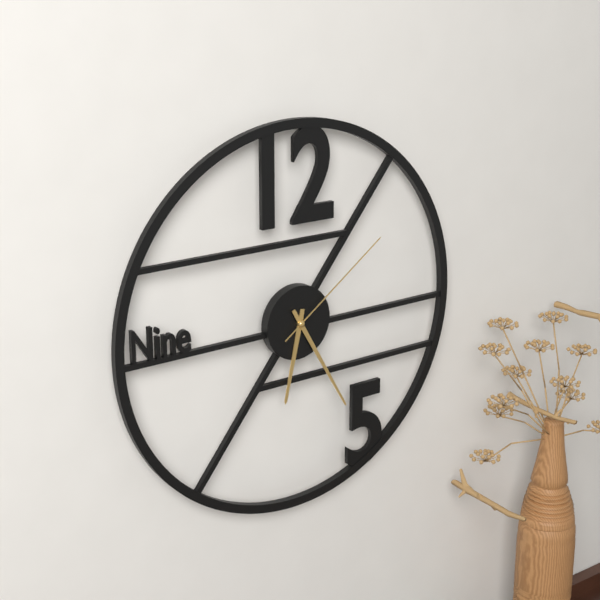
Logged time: 6.25.09
